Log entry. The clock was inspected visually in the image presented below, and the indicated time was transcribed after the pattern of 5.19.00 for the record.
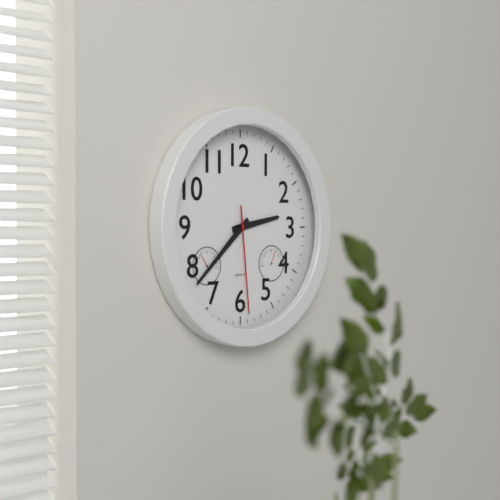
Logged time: 2.38.29
